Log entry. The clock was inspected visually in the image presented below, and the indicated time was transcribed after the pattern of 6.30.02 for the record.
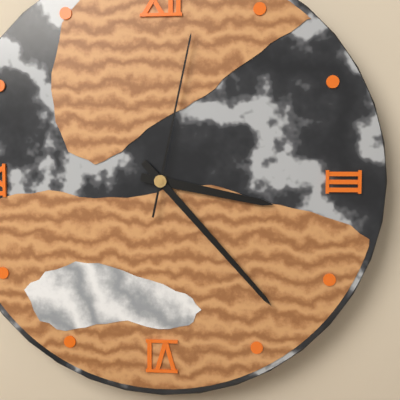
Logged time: 3.23.02
